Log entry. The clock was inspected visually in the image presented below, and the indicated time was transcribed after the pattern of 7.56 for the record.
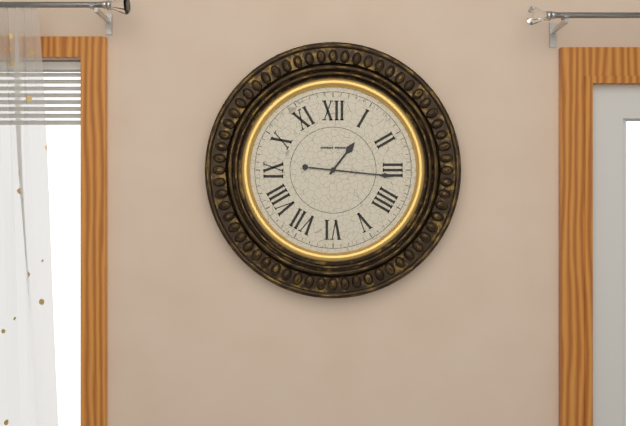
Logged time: 1.16
